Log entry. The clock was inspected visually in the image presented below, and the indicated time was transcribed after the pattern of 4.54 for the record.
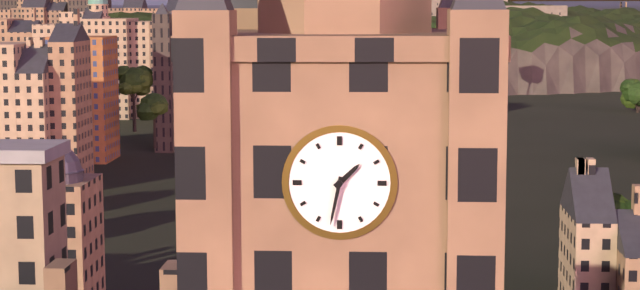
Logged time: 1.32
